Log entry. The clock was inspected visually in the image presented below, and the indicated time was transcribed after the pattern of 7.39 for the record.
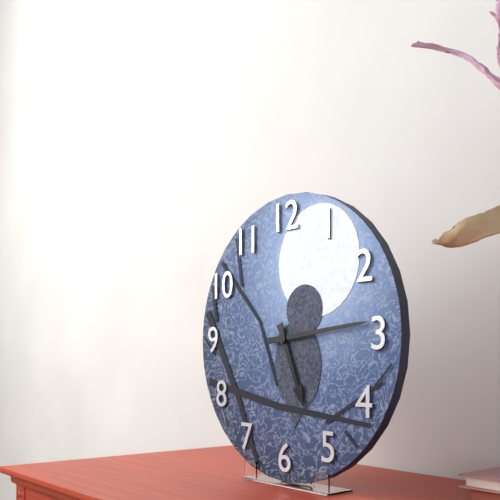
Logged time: 5.14
